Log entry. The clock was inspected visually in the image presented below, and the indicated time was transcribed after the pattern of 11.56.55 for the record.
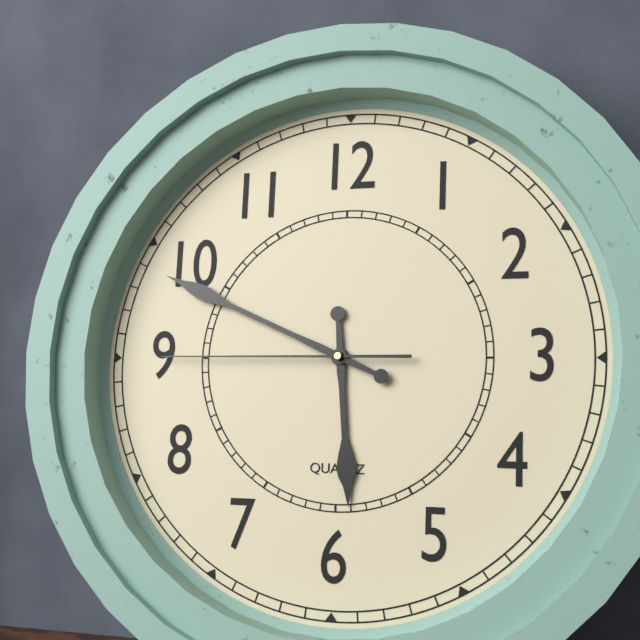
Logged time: 5.49.45
